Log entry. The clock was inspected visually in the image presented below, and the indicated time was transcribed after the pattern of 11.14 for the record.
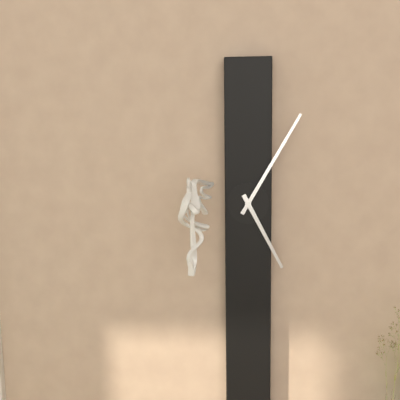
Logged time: 5.05
